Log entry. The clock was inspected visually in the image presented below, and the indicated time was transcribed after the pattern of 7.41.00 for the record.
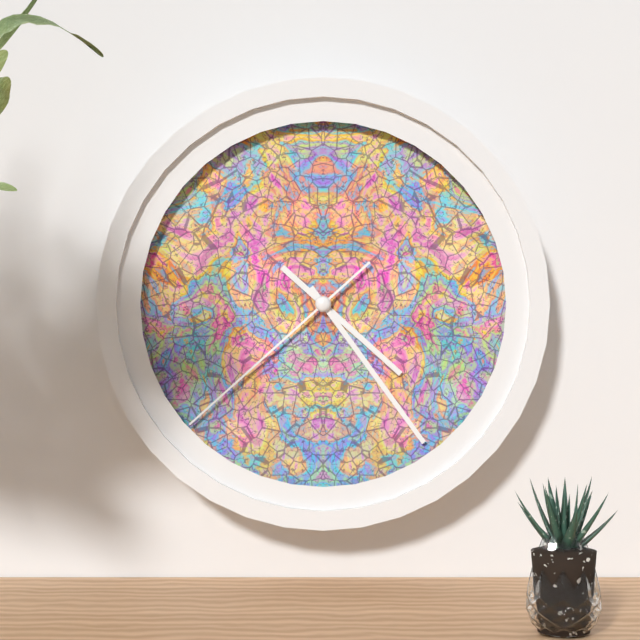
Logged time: 4.24.38
